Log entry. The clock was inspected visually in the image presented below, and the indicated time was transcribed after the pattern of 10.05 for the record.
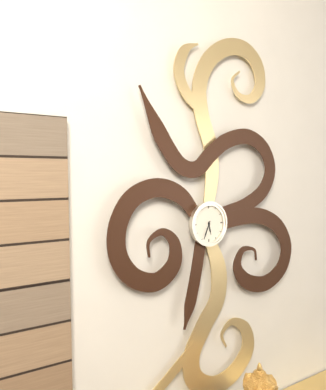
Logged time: 5.34
